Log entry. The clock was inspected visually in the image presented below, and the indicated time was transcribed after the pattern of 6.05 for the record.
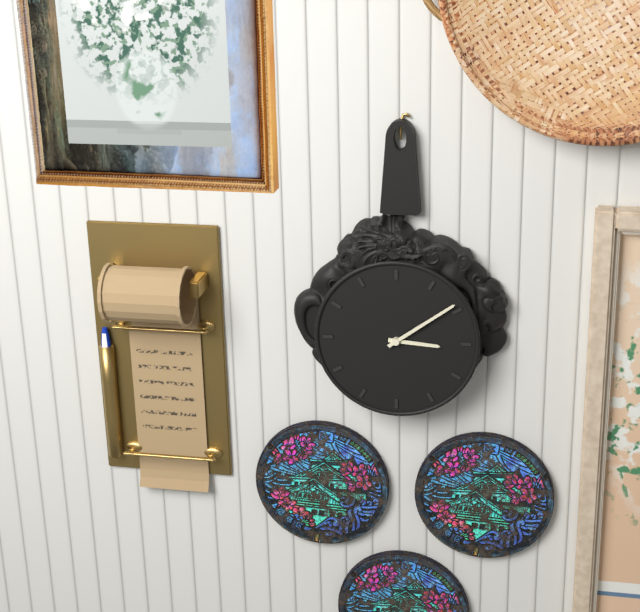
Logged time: 3.09
